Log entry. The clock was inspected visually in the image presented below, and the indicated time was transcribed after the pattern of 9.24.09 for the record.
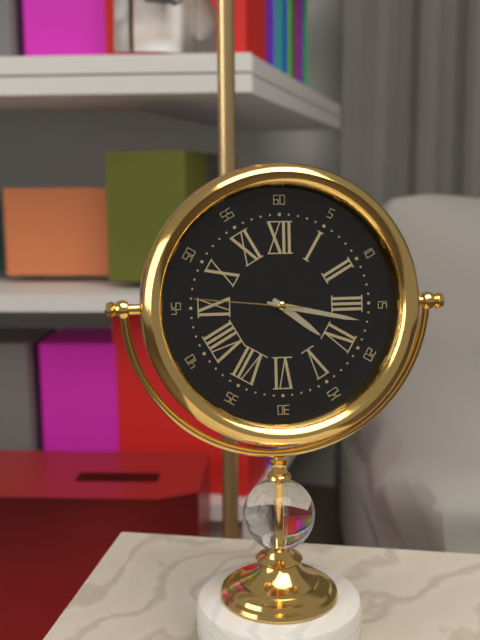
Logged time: 4.17.46
